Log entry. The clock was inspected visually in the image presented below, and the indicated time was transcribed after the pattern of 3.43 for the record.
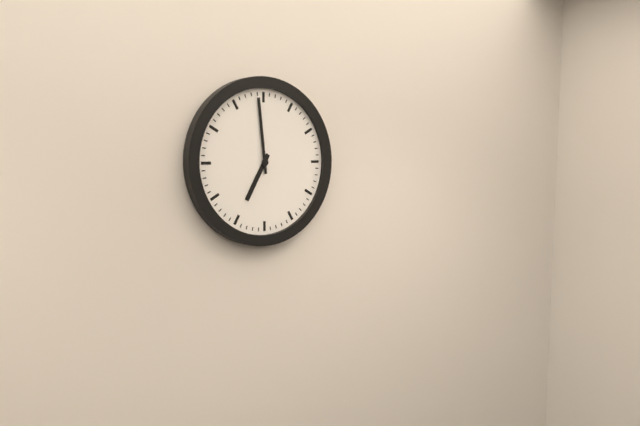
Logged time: 6.59
